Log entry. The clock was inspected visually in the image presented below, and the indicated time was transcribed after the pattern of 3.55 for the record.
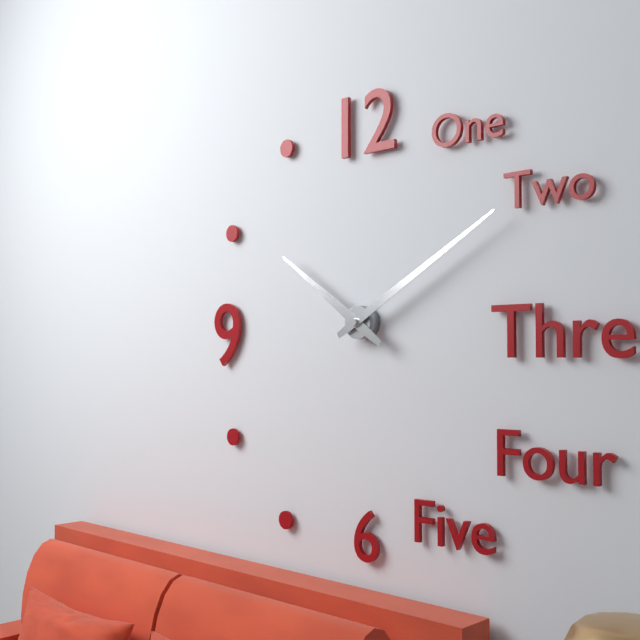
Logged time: 10.10
